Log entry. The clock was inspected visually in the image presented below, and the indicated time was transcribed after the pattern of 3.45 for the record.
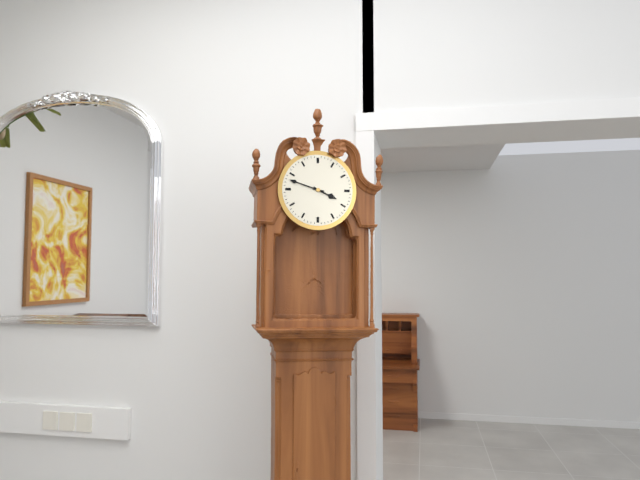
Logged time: 3.48
